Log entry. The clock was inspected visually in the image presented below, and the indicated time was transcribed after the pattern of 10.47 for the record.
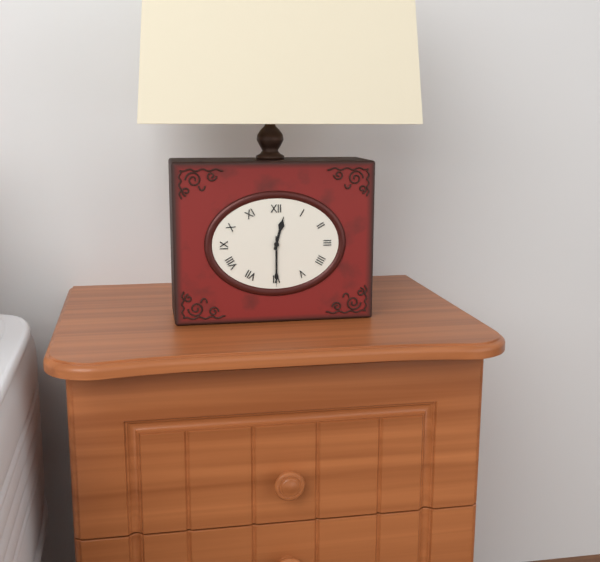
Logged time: 12.30
